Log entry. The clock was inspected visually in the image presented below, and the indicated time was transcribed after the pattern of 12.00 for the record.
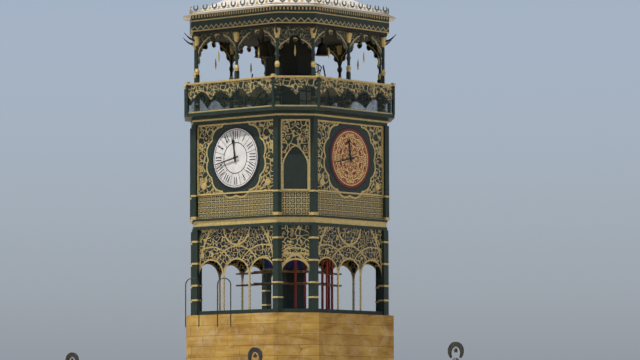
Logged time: 11.43
